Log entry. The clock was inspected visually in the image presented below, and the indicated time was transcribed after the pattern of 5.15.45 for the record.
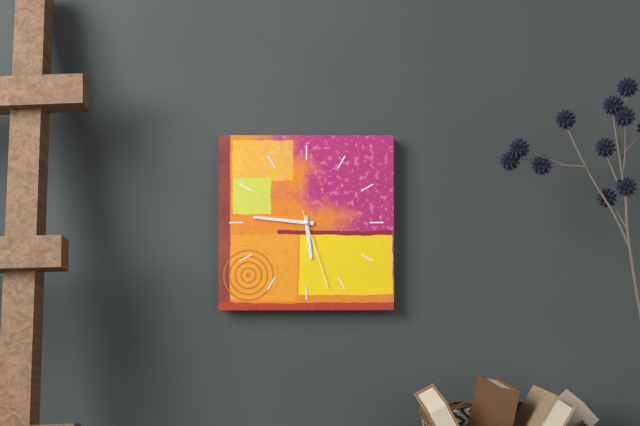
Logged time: 5.46.27
